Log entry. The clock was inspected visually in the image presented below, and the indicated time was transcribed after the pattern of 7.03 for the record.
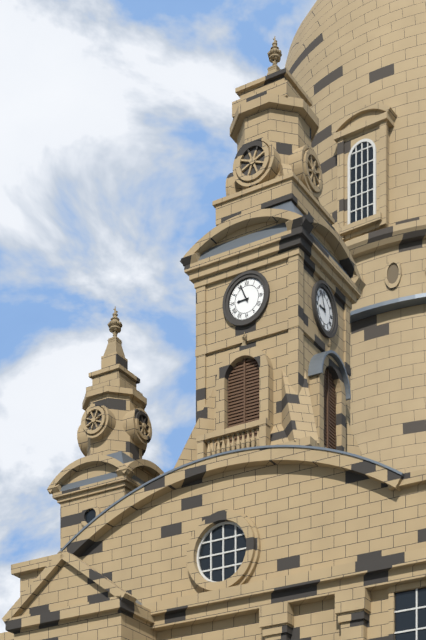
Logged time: 8.56
